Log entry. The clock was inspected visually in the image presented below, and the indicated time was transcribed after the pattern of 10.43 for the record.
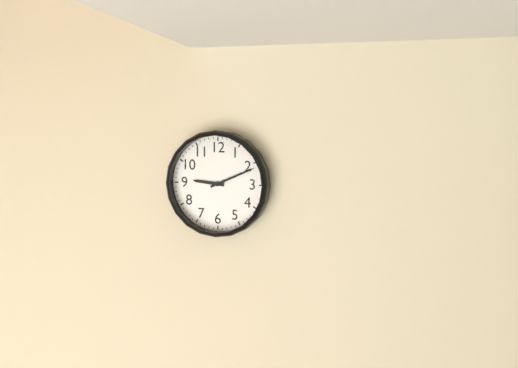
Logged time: 9.11
